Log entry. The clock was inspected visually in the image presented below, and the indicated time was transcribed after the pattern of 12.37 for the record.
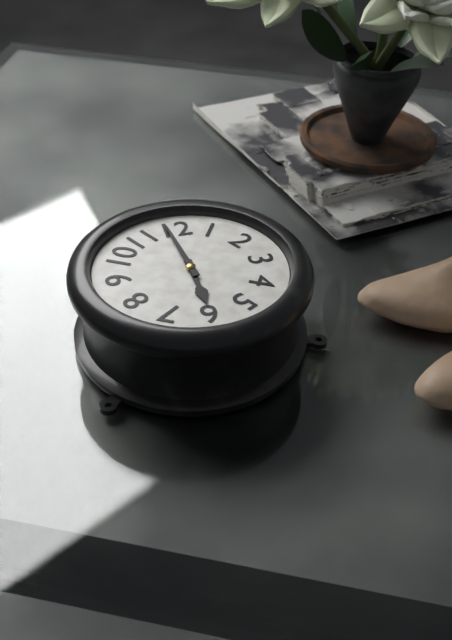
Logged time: 5.59
